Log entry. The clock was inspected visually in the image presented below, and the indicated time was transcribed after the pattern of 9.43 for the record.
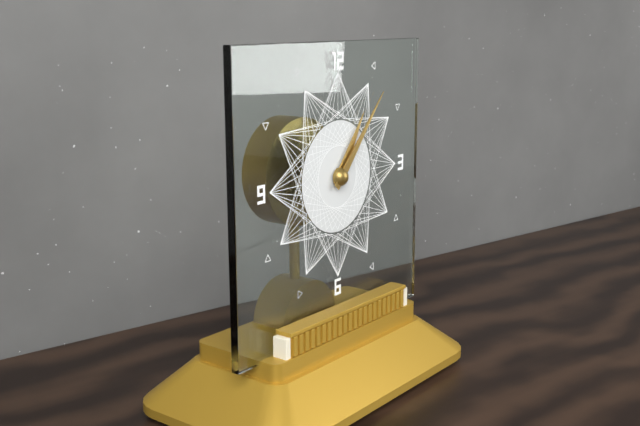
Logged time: 1.07
